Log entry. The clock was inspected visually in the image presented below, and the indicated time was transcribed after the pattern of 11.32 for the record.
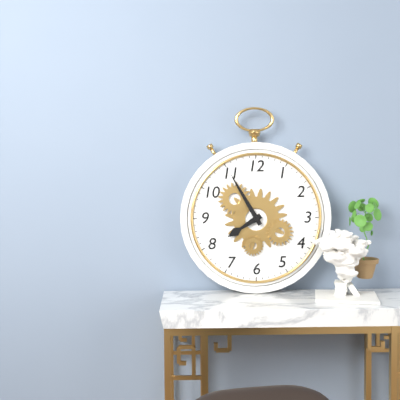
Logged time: 7.55
